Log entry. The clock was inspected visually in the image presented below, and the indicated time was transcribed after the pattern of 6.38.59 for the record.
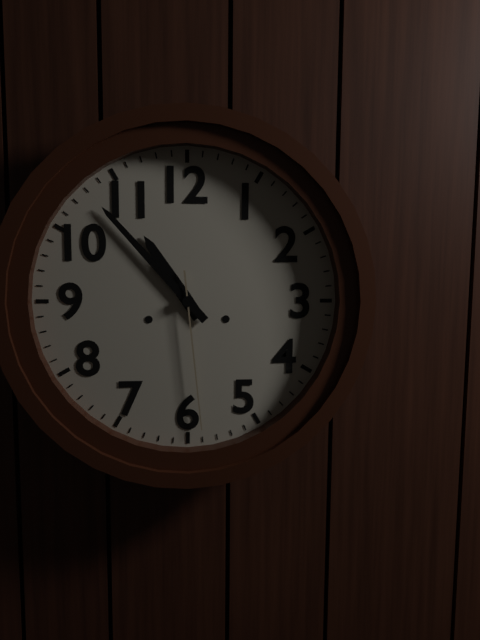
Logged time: 10.53.29
